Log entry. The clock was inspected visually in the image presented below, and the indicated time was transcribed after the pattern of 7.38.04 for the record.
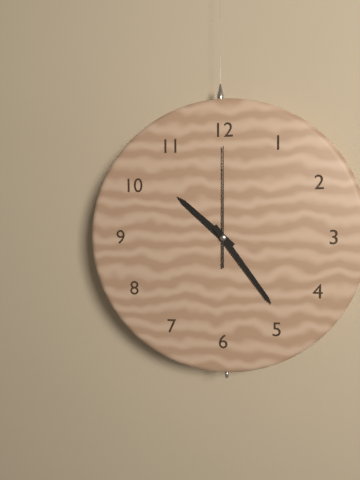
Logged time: 10.24.00
